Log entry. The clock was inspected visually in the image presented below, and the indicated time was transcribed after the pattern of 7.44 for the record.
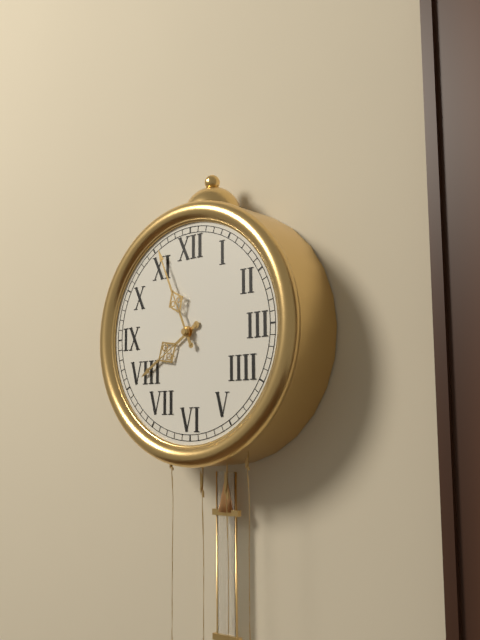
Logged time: 7.56
